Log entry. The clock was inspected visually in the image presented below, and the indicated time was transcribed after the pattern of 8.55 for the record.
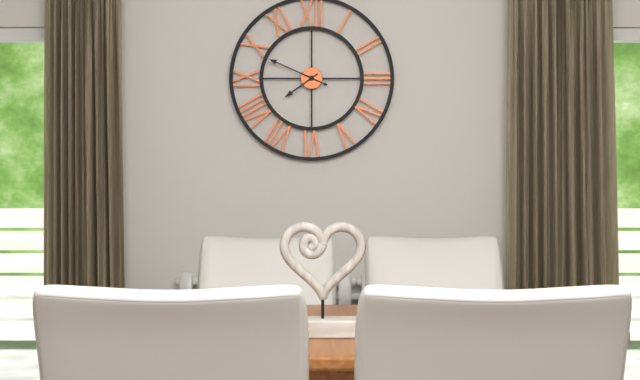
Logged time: 7.49
